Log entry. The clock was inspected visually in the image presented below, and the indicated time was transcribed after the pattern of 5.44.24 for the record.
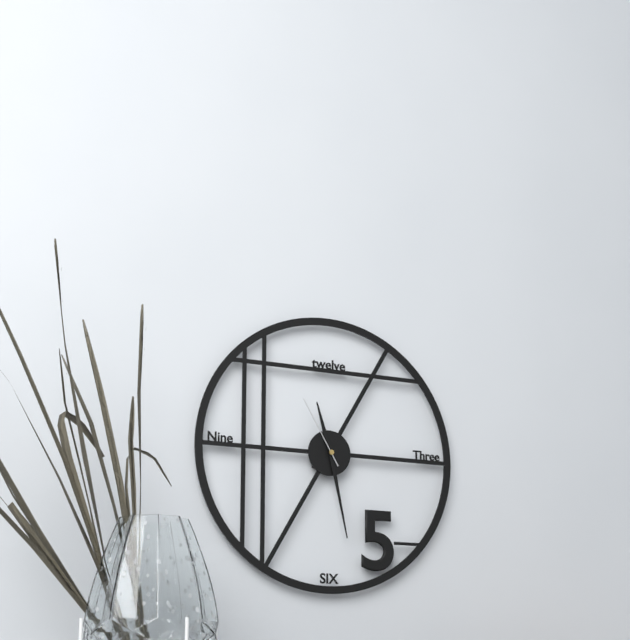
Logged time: 11.28.55
